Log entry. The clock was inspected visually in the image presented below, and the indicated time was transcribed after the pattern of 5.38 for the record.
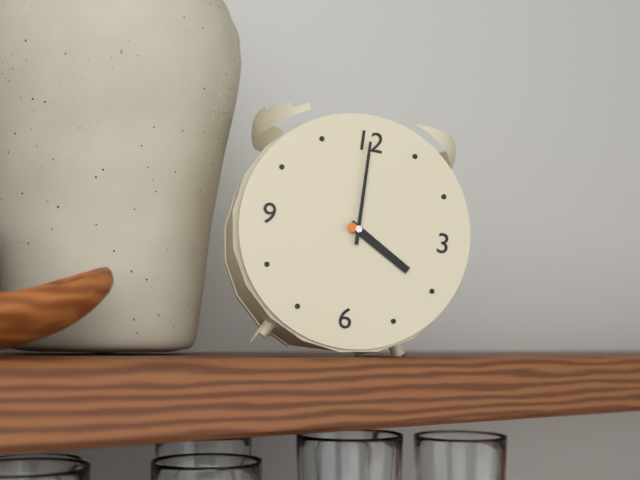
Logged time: 4.00
